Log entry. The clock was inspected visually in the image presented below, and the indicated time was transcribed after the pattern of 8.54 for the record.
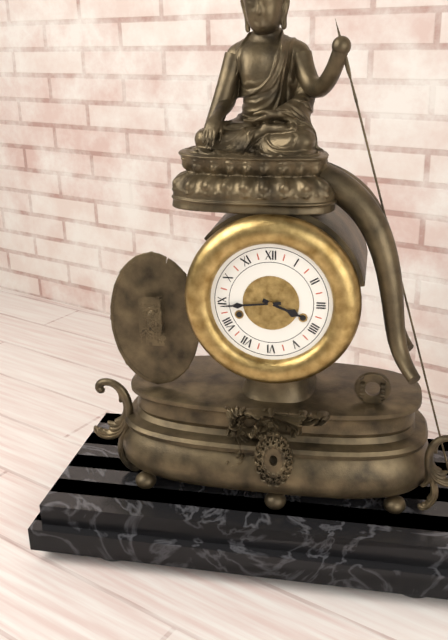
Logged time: 3.44
